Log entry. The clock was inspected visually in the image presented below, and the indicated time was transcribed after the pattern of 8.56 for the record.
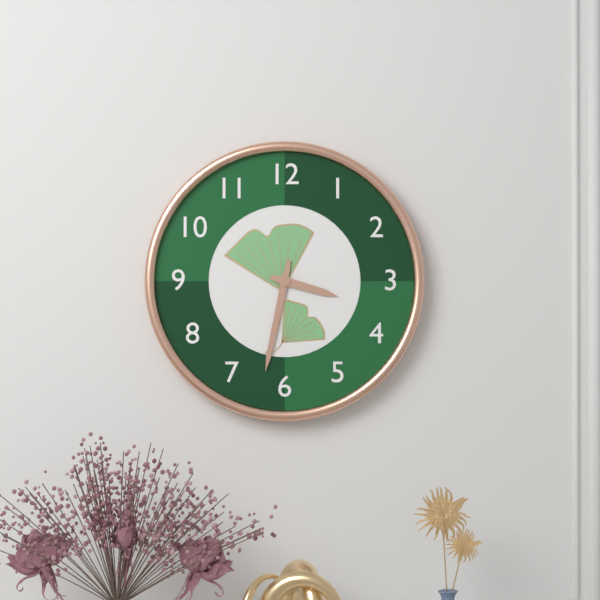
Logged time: 3.32
